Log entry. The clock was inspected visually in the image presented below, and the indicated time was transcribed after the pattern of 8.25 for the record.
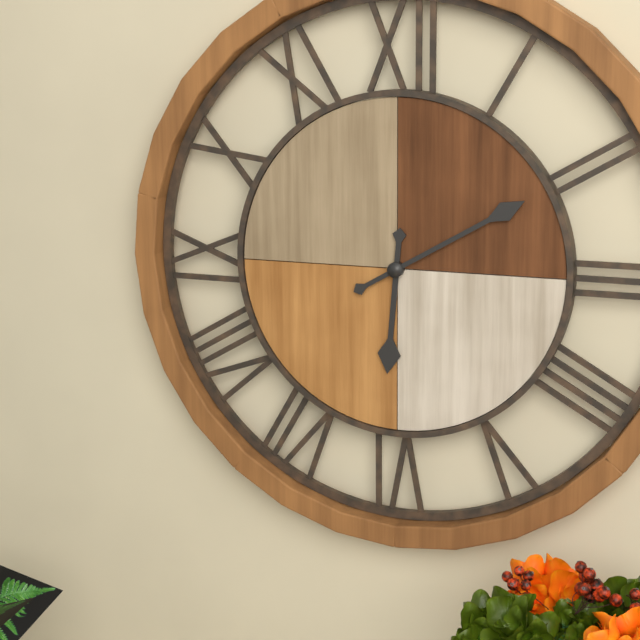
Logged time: 6.10
